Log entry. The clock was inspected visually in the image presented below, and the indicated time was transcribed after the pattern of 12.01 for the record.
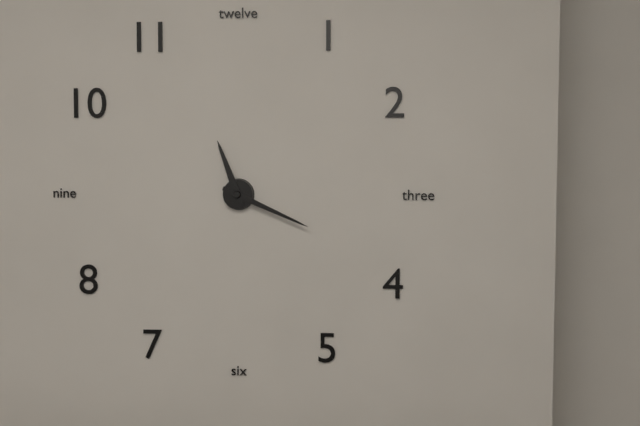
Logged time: 11.19
